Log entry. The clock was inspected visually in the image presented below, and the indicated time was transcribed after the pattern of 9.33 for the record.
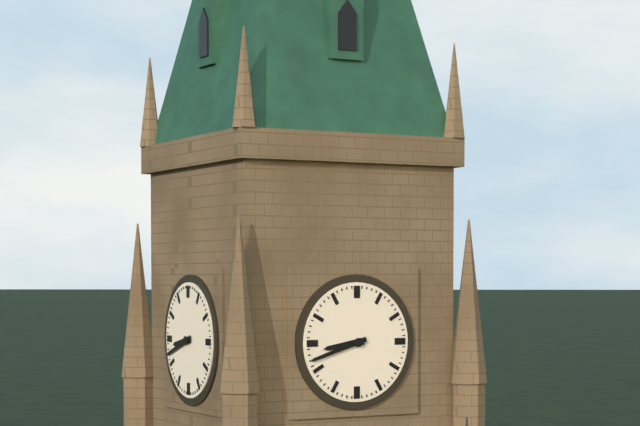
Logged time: 8.42
